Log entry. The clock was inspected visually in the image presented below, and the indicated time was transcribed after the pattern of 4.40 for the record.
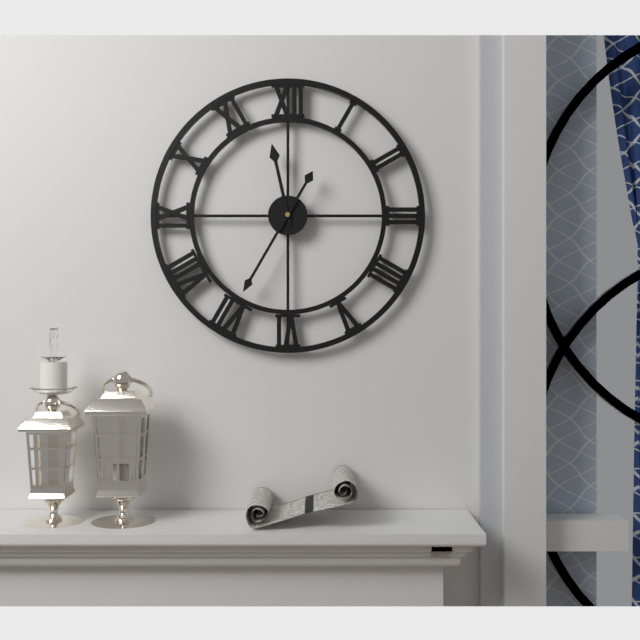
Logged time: 11.35
